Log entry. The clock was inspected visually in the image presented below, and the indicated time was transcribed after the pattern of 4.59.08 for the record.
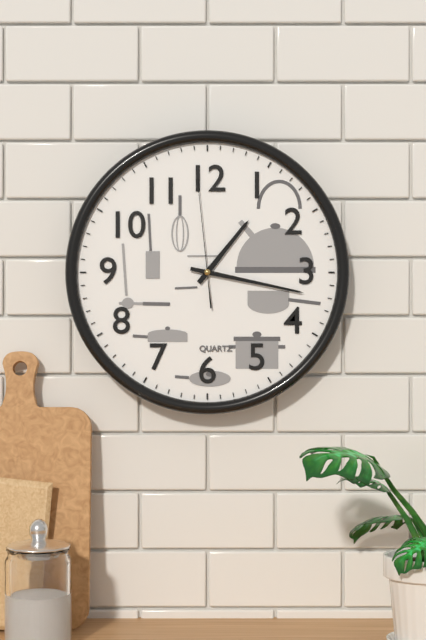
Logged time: 1.17.59
